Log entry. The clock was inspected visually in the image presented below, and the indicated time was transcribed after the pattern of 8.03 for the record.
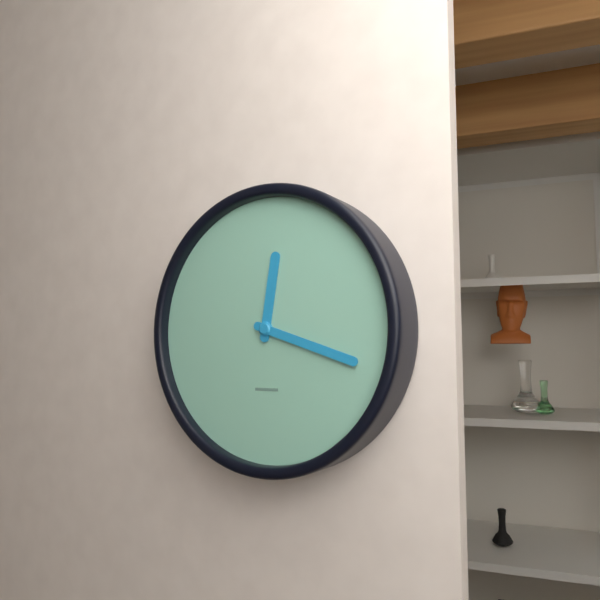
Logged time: 12.18
